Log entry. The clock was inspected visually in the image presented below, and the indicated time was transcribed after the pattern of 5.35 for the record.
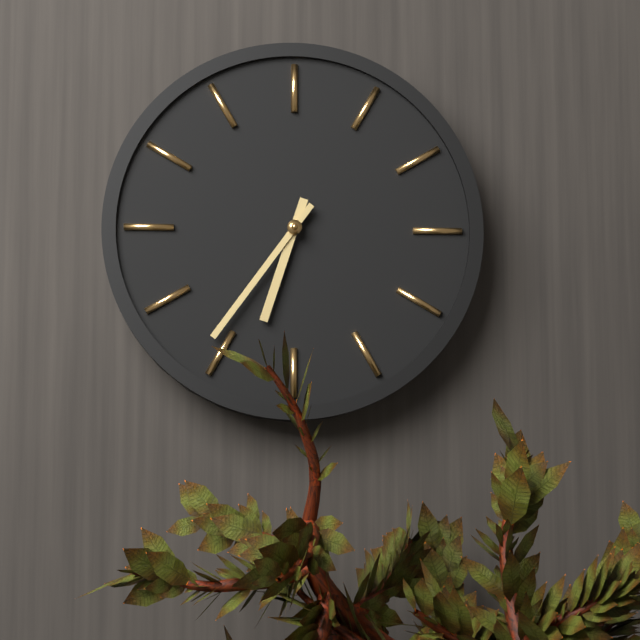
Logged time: 6.36
